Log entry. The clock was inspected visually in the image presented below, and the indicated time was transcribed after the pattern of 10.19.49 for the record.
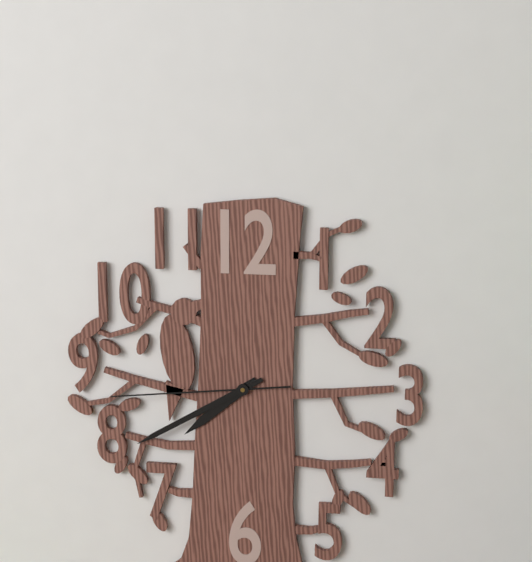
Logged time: 7.40.44
